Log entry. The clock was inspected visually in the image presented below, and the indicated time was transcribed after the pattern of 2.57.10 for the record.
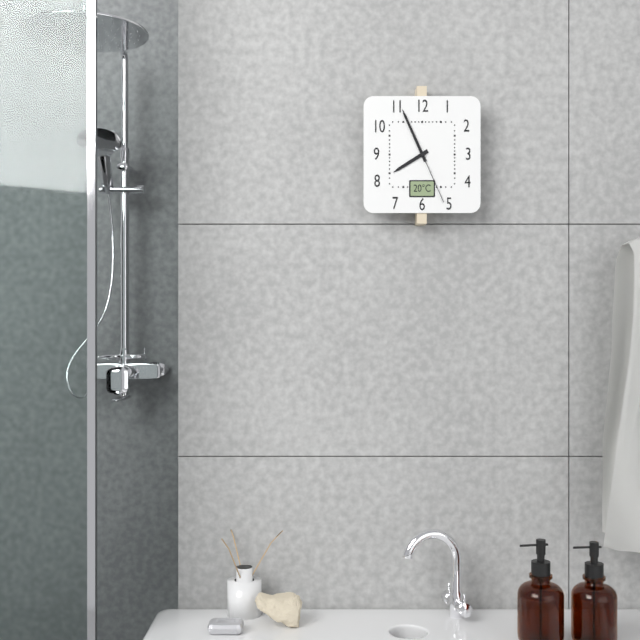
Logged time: 7.56.26
